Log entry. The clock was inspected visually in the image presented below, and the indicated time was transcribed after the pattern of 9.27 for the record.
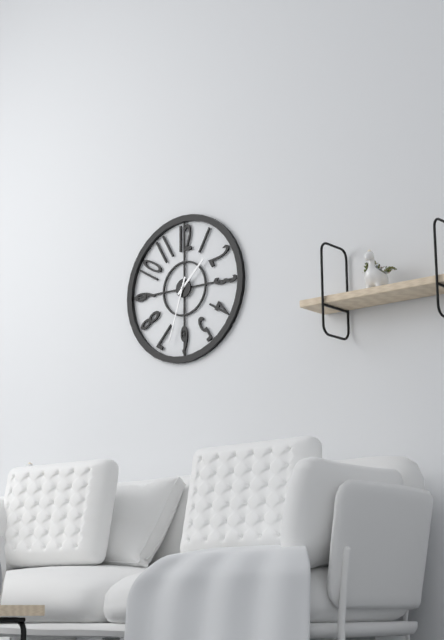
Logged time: 1.33
